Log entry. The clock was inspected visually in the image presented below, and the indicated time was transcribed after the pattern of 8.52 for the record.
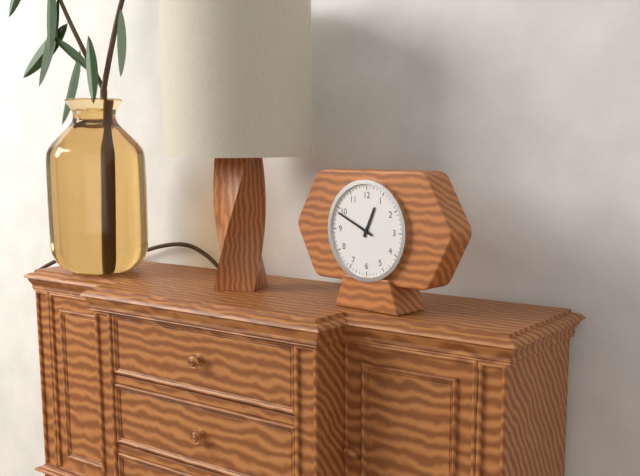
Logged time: 12.49
